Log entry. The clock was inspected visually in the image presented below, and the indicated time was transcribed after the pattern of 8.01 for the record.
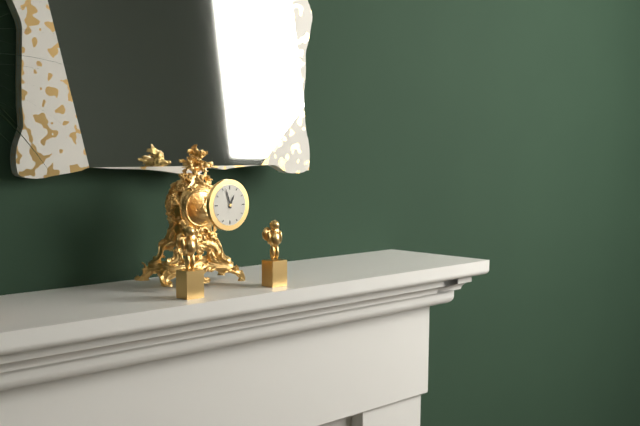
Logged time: 12.57
